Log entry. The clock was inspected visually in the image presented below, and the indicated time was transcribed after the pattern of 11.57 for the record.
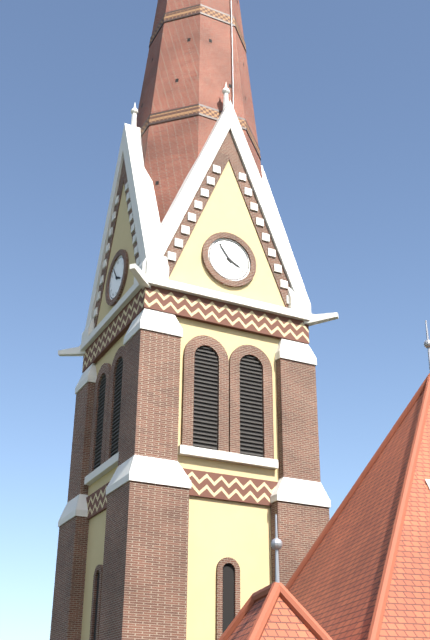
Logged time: 3.54
